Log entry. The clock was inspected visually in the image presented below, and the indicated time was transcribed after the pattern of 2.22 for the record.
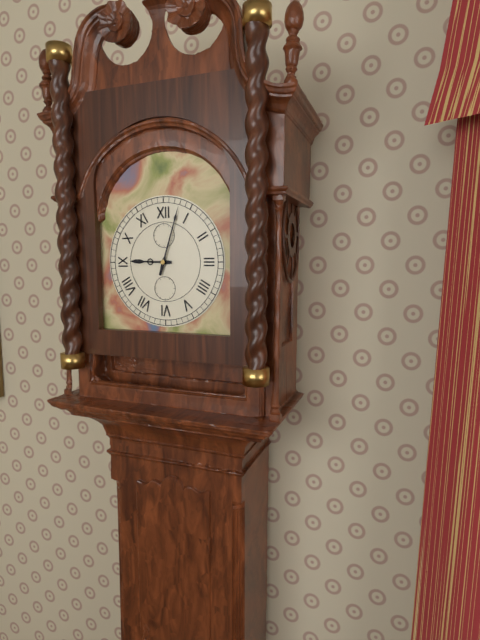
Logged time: 9.03
